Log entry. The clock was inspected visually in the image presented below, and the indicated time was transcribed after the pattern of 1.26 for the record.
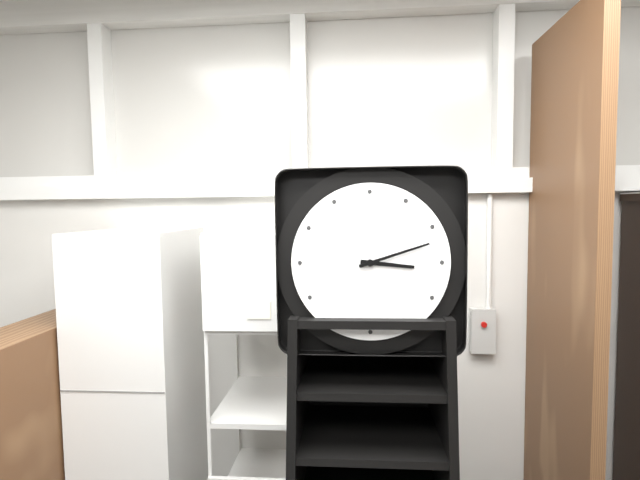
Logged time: 3.12
